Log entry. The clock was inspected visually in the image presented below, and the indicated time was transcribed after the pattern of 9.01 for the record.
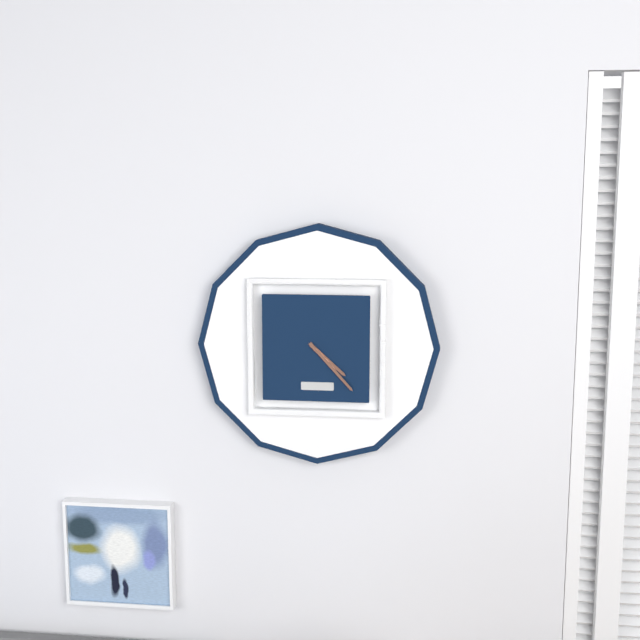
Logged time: 4.23
